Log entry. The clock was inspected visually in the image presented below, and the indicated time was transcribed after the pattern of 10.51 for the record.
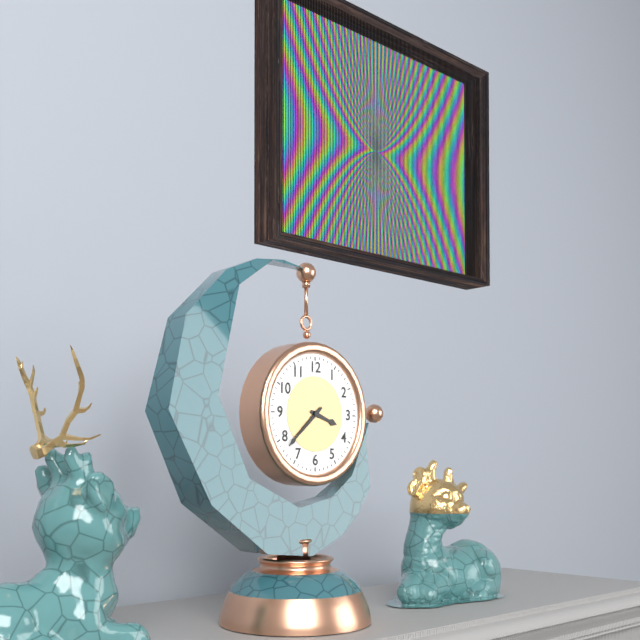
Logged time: 3.38
